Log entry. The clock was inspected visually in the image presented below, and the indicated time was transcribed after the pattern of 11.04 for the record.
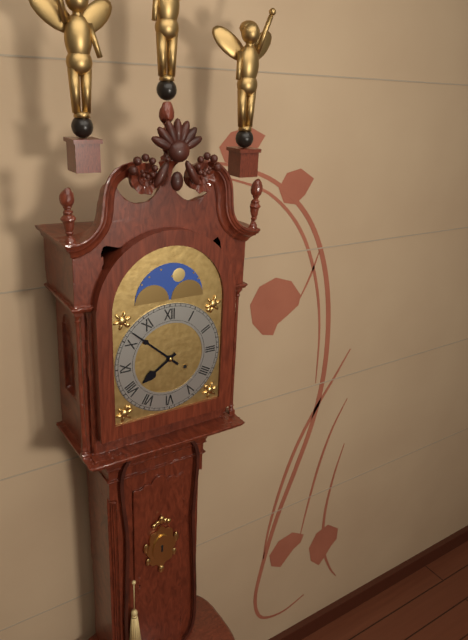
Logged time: 7.52
